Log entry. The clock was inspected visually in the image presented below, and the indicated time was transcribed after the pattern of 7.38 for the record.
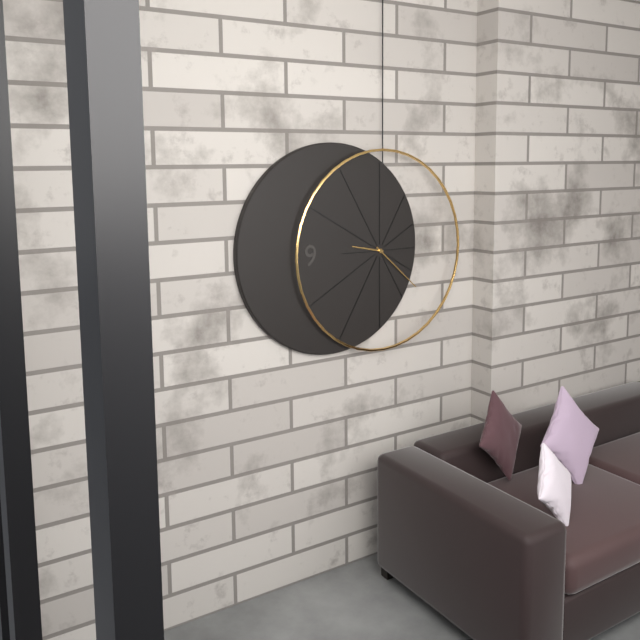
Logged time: 9.22
